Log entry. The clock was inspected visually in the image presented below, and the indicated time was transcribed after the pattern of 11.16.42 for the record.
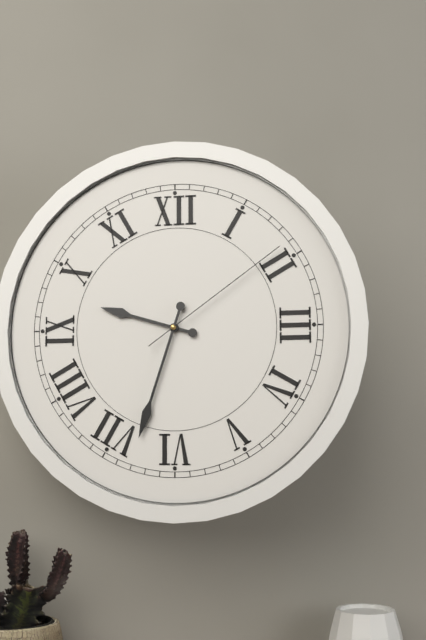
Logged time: 9.33.09
